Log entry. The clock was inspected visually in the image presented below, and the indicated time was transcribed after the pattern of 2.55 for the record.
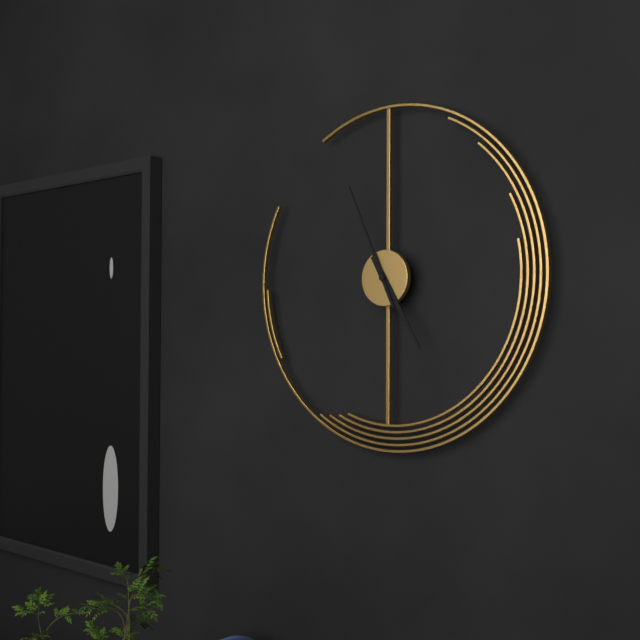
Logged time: 4.56
